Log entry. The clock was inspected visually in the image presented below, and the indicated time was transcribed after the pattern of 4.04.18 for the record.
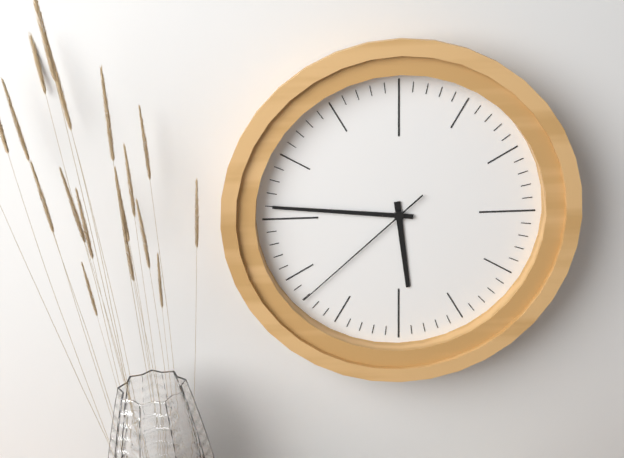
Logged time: 5.46.38
